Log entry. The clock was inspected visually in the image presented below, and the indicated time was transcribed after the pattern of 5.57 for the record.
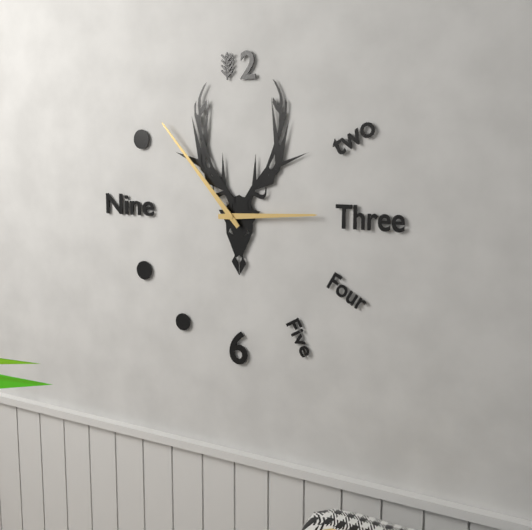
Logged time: 2.53
